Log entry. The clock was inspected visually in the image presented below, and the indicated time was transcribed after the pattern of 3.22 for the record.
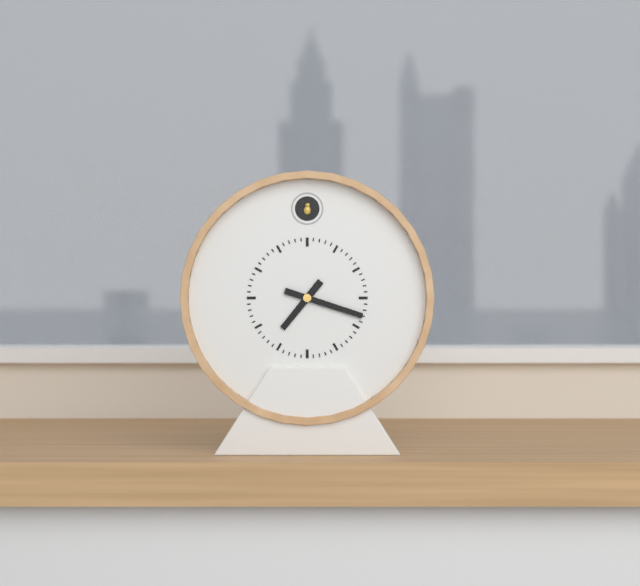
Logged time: 7.18
